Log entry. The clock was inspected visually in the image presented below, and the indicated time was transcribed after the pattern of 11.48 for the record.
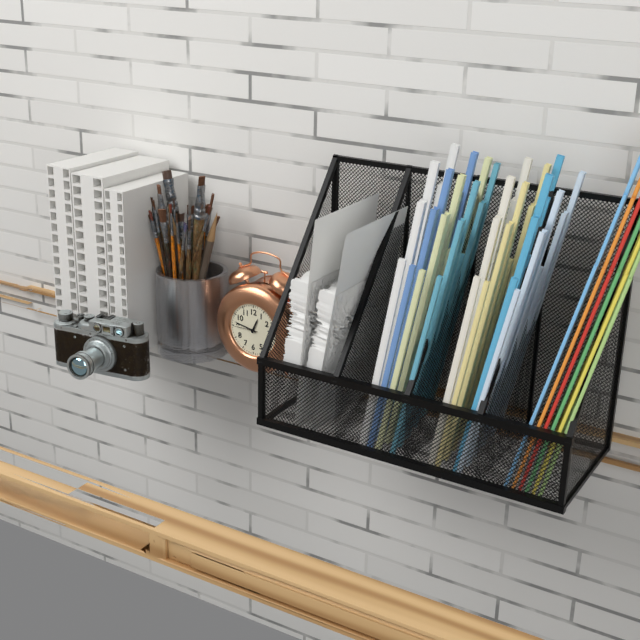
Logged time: 12.47
